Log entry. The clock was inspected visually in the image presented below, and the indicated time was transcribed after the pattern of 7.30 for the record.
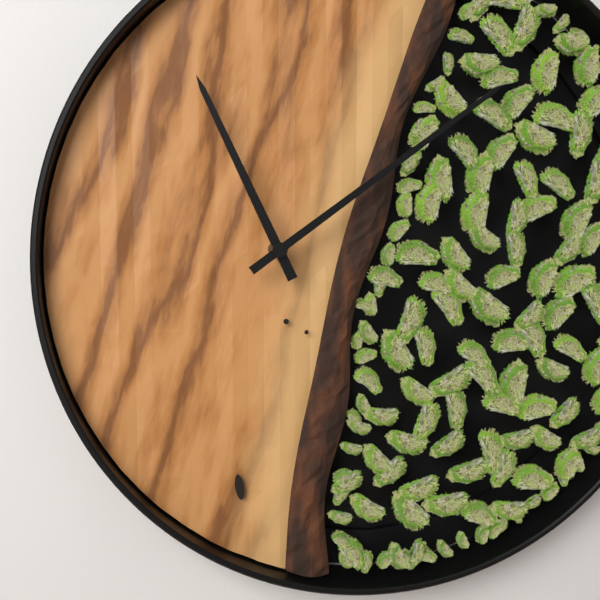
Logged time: 11.09
